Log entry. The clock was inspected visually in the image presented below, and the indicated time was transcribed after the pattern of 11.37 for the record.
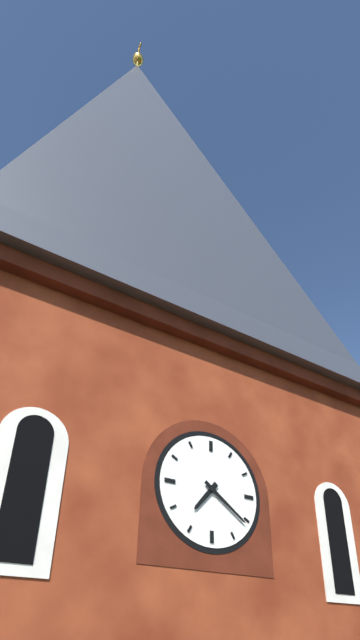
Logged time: 7.21
